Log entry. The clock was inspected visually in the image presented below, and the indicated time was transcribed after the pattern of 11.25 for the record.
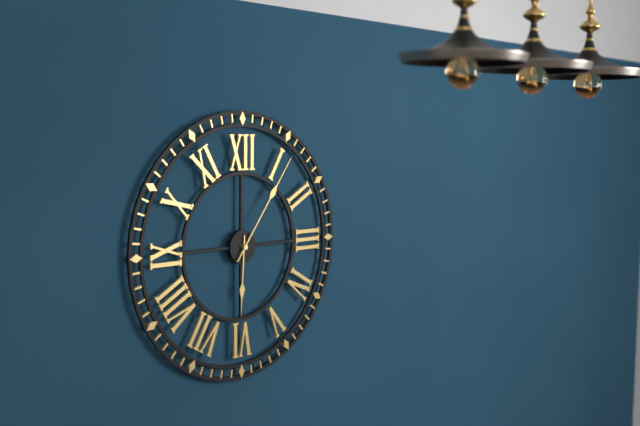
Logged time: 6.06
